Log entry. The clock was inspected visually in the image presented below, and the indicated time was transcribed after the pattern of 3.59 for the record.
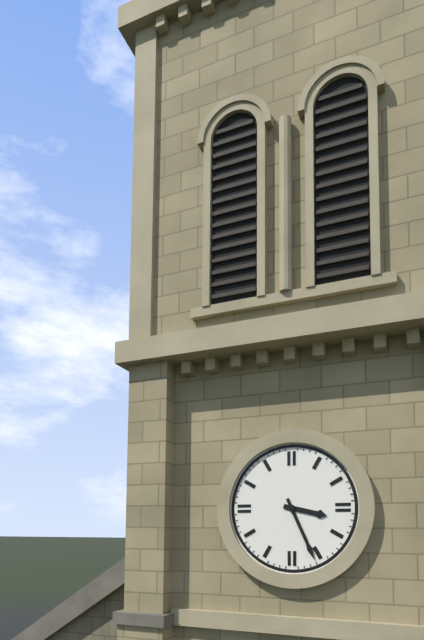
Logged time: 3.26
